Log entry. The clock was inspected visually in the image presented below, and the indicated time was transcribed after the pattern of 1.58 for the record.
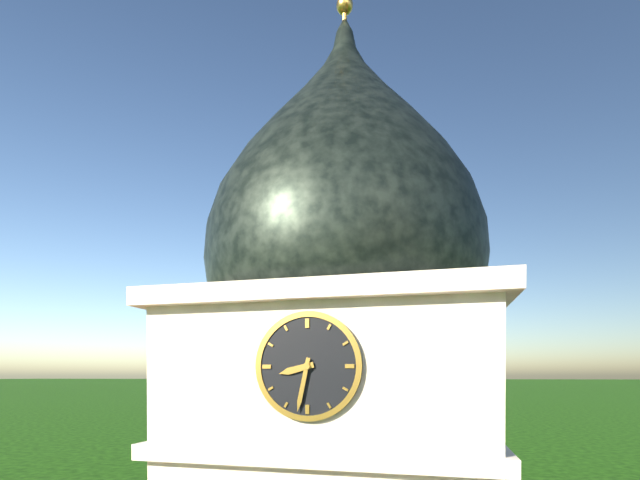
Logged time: 8.32
